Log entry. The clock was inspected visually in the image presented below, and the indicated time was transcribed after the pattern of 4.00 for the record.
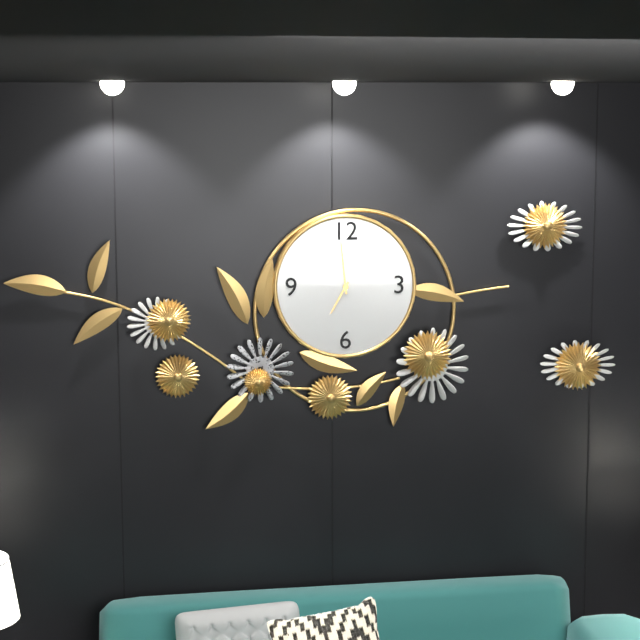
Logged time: 6.59
